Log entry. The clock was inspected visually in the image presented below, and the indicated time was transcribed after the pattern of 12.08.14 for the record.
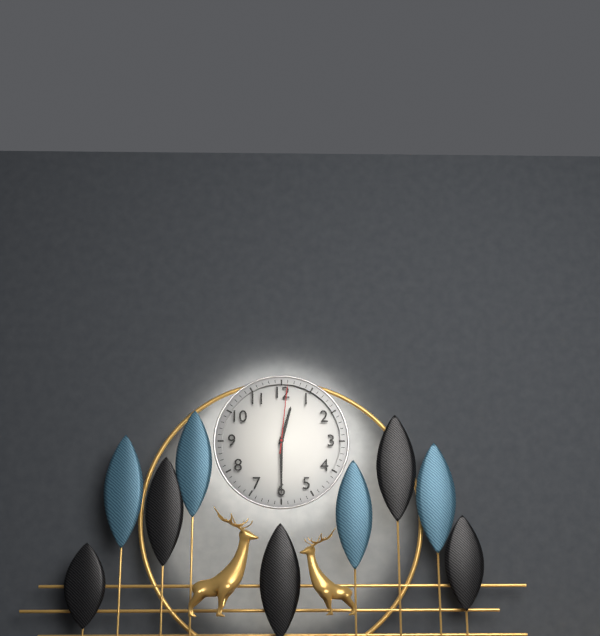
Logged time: 12.30.01
